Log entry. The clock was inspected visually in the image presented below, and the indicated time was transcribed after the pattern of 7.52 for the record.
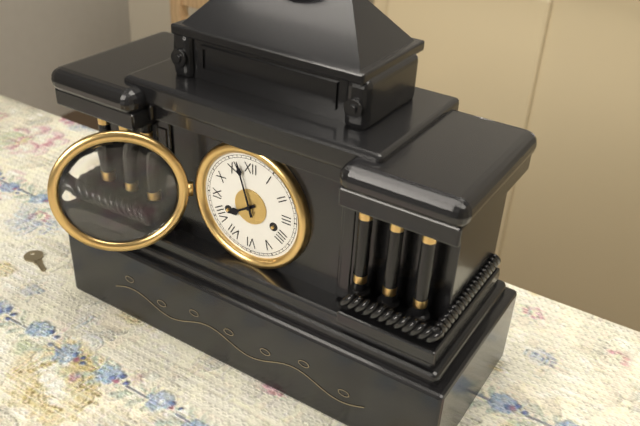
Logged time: 7.57
